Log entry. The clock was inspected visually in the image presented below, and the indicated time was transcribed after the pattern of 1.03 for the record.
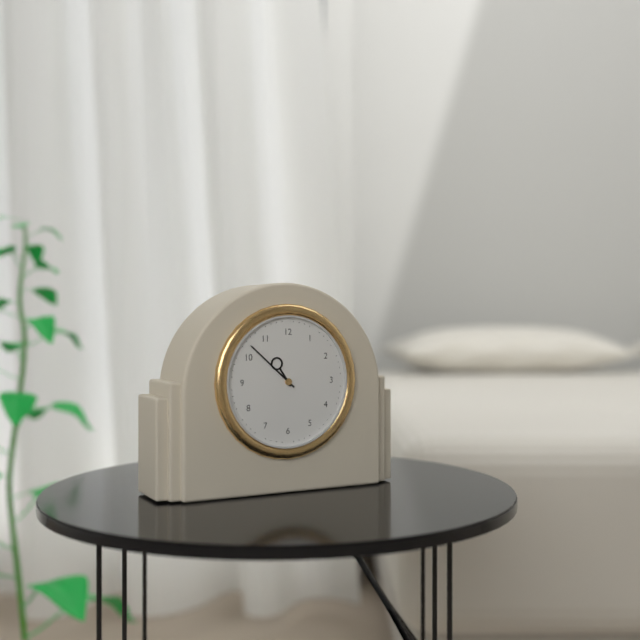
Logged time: 10.52
